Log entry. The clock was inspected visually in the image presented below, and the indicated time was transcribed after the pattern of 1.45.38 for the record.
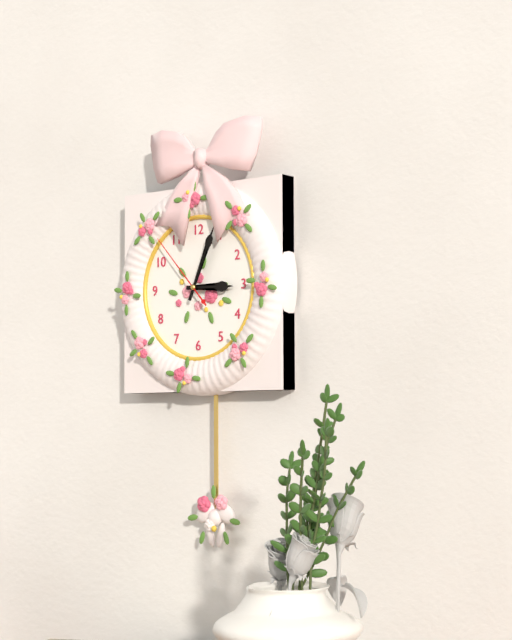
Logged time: 3.04.53
